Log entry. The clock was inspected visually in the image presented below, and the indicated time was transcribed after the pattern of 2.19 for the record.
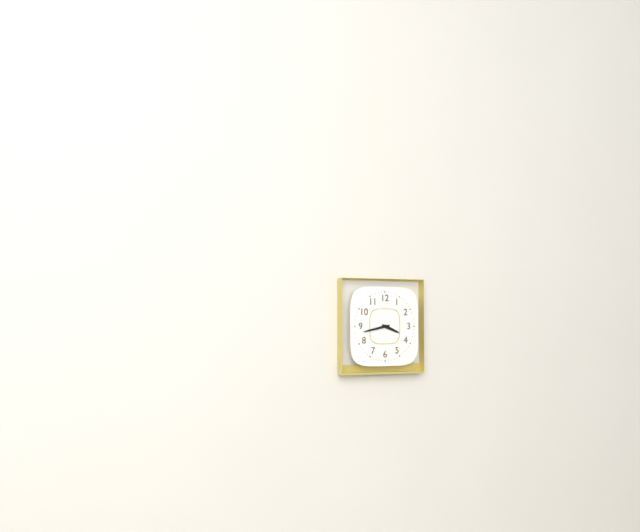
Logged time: 3.43
